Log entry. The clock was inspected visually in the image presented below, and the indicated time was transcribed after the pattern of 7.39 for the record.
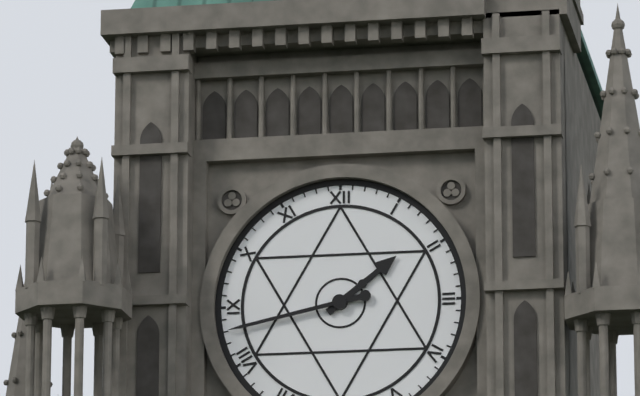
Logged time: 1.43
